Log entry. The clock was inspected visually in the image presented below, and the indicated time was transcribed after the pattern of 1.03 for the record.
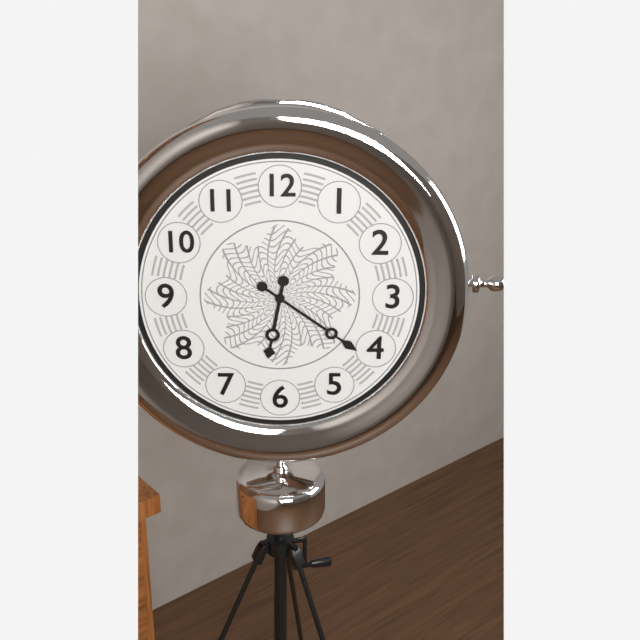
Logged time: 6.21
